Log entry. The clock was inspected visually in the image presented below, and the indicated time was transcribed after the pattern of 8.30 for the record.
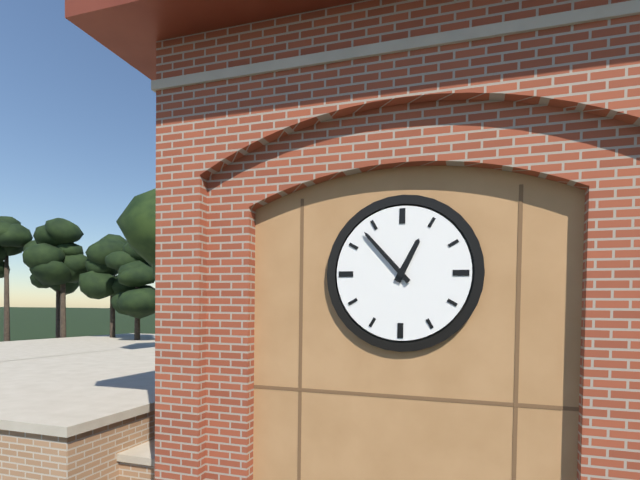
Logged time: 12.53
